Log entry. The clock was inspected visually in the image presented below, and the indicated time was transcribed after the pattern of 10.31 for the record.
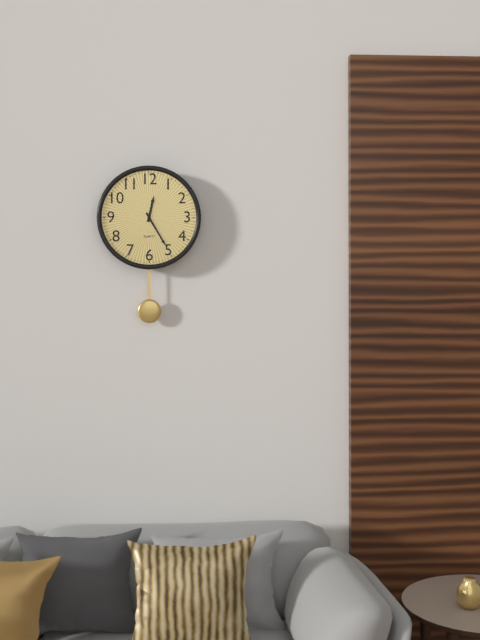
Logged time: 12.25
